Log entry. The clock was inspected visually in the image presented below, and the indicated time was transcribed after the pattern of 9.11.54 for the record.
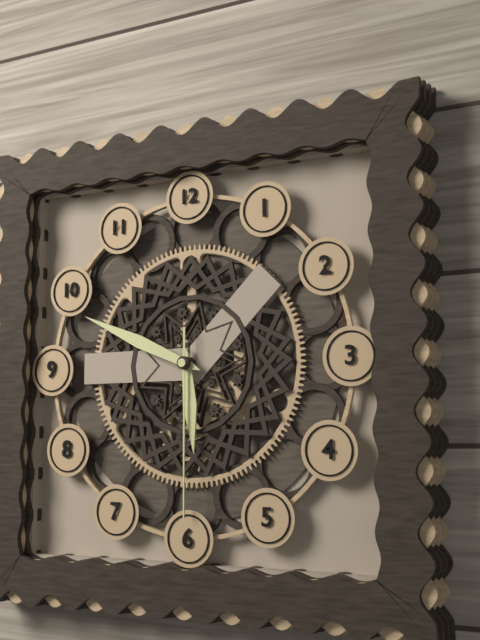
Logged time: 5.49.30
